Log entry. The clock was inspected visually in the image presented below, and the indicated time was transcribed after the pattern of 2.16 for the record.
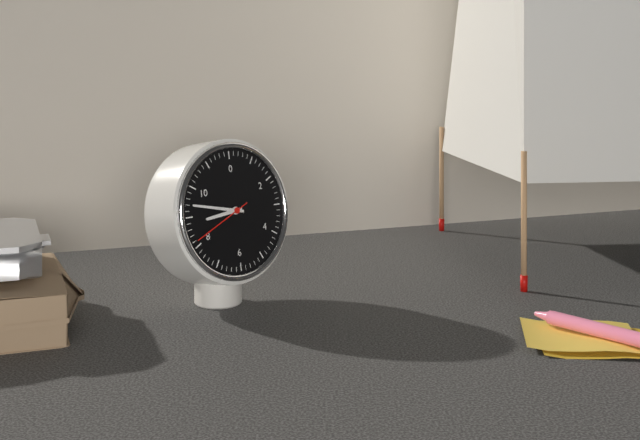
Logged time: 8.47
